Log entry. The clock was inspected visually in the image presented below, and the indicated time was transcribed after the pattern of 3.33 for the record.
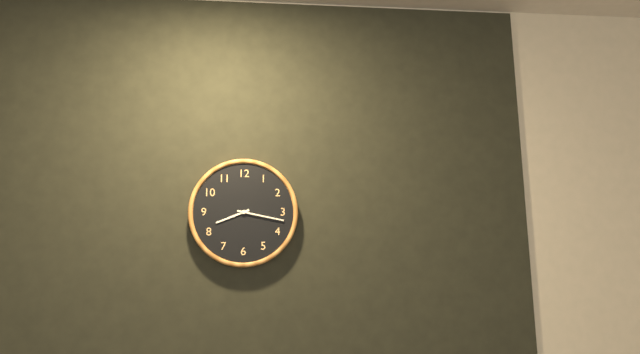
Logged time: 8.17
